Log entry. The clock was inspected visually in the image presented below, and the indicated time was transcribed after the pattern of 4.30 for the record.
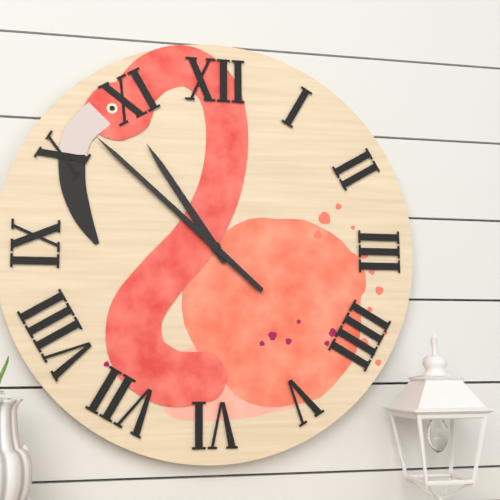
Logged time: 10.52
